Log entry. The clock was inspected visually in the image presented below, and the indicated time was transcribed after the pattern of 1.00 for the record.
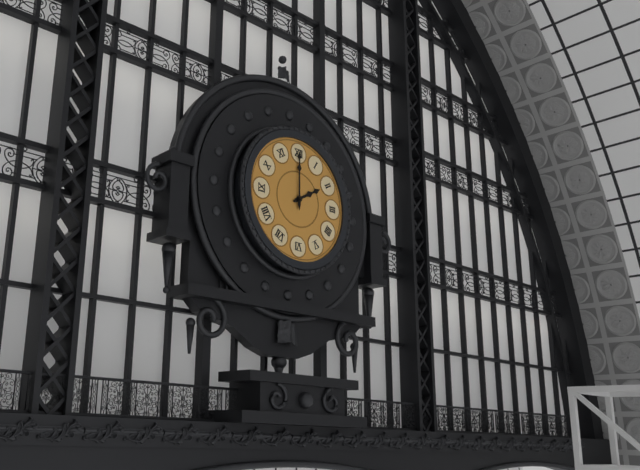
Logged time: 2.00
